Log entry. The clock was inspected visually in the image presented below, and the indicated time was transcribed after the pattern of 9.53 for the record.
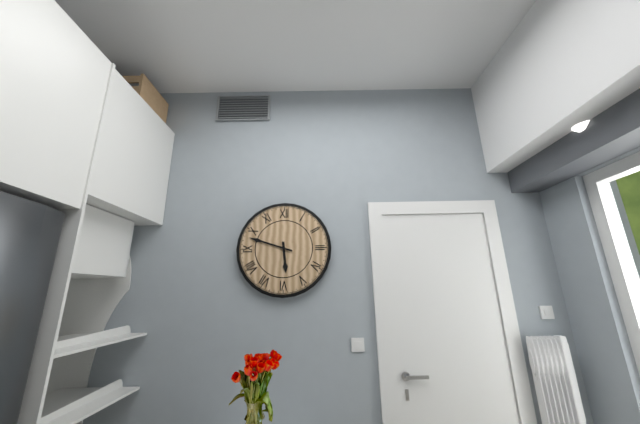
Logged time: 5.48
